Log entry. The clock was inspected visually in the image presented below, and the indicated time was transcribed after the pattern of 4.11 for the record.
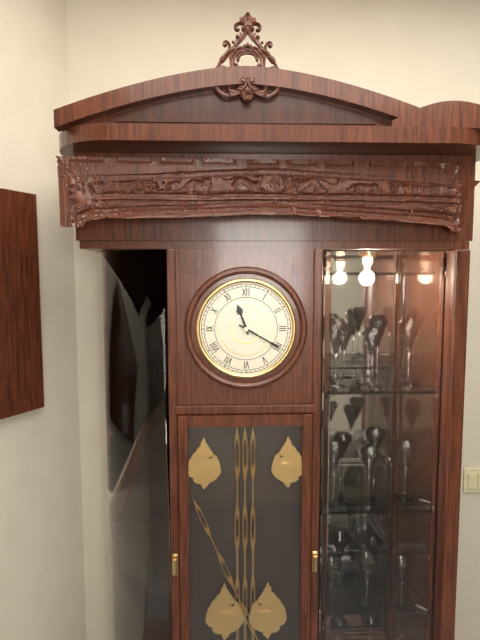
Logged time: 11.20
